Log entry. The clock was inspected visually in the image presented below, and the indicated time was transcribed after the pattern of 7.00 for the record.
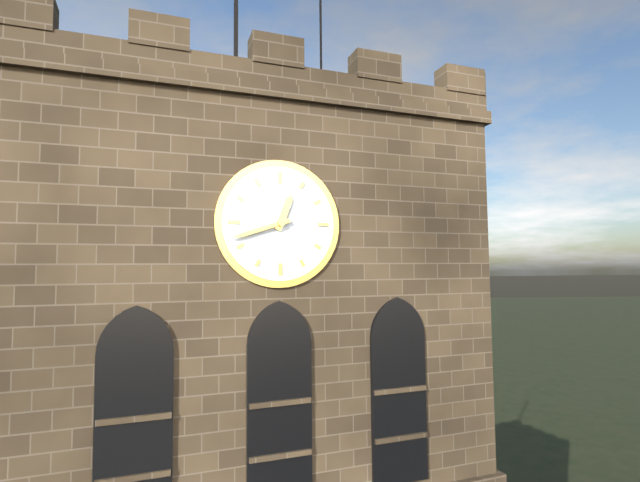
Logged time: 12.42
